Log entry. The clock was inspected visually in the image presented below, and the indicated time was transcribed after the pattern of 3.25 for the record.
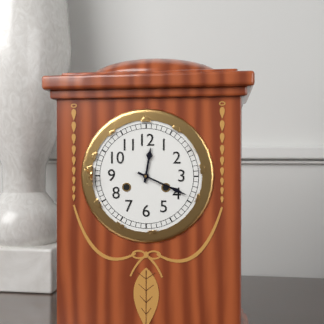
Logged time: 12.19
